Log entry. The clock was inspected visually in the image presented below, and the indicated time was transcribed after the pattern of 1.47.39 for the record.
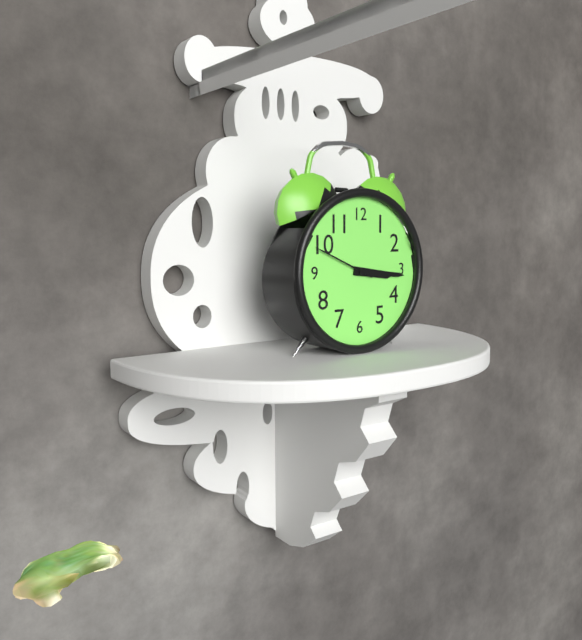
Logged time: 3.16.49
